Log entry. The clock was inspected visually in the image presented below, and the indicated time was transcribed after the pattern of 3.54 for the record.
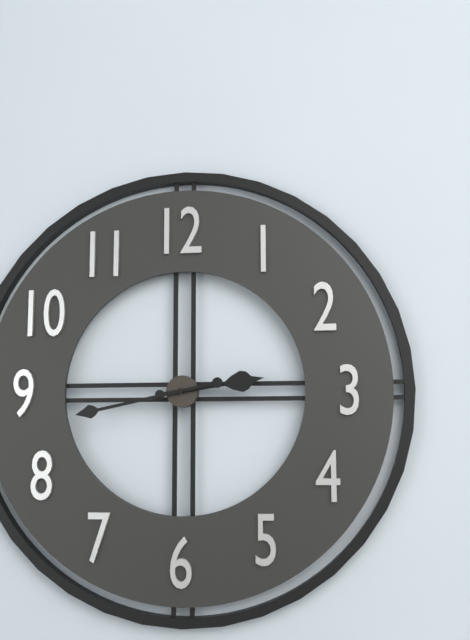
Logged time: 2.43
